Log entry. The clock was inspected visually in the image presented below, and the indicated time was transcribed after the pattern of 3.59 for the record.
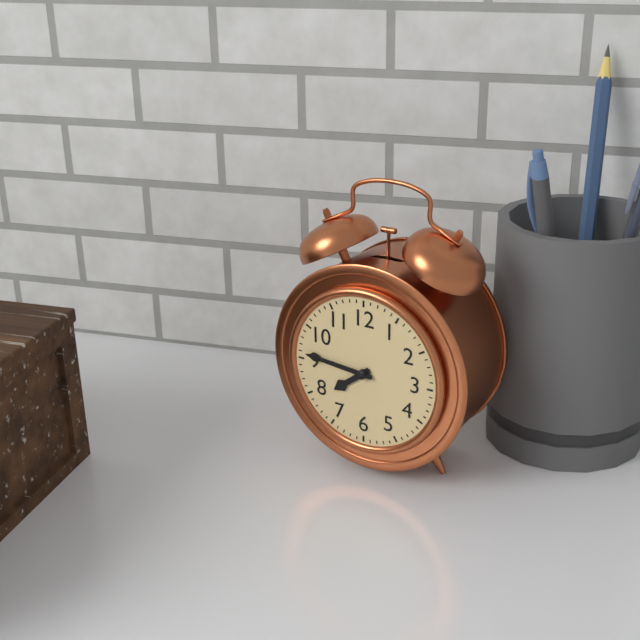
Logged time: 7.46
